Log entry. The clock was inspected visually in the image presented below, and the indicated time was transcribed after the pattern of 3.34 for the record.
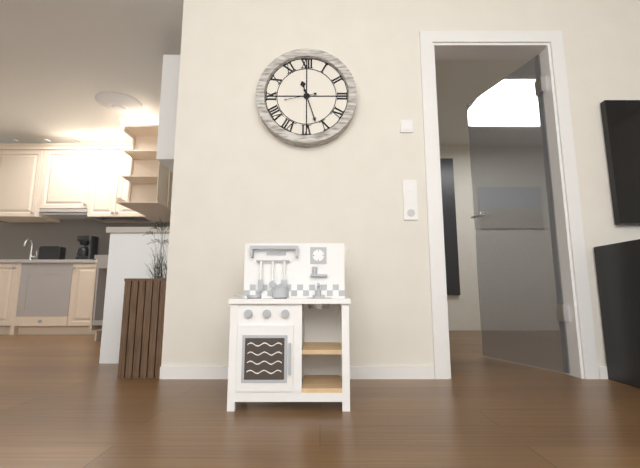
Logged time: 11.27
